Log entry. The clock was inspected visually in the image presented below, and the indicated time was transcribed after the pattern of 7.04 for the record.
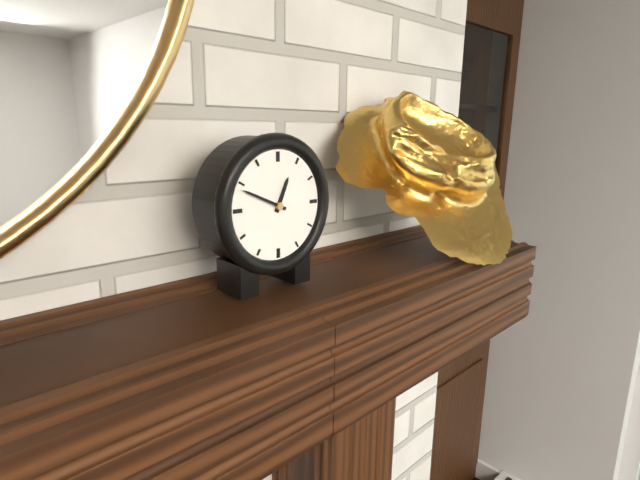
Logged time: 12.49
